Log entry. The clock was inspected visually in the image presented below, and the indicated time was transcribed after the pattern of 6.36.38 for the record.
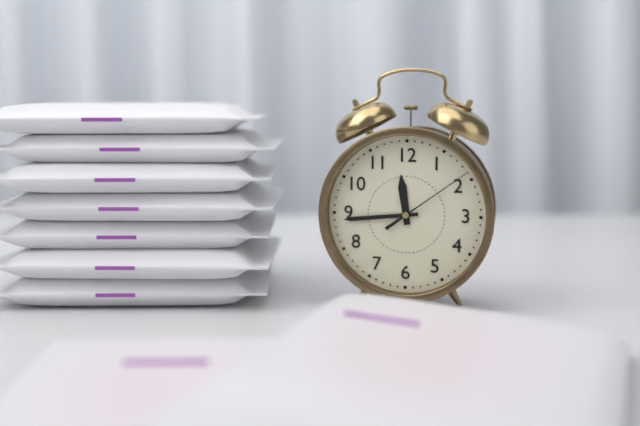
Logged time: 11.44.09
